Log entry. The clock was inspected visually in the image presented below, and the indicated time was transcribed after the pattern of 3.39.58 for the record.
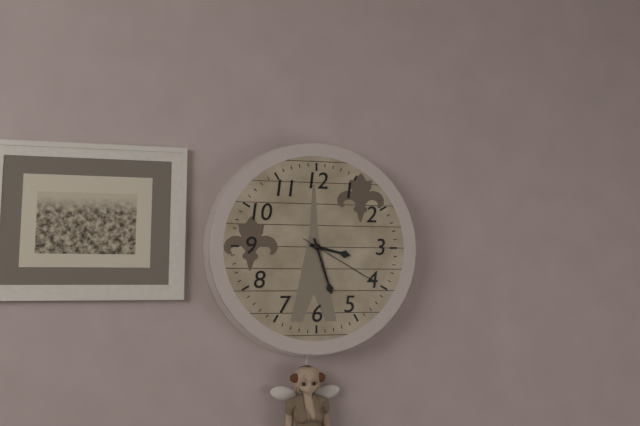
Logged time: 3.27.20
